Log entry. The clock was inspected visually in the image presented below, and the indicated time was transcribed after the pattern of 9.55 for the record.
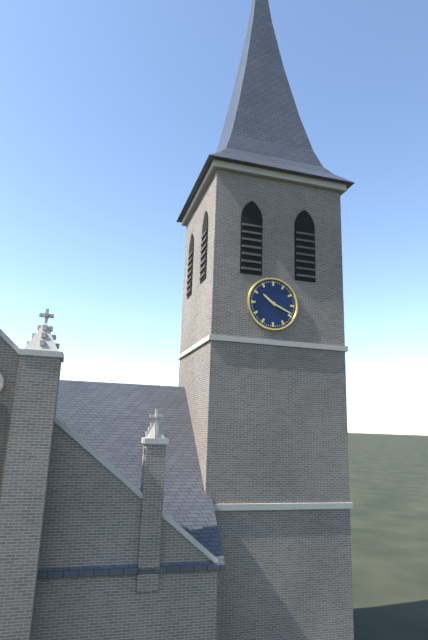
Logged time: 10.19
